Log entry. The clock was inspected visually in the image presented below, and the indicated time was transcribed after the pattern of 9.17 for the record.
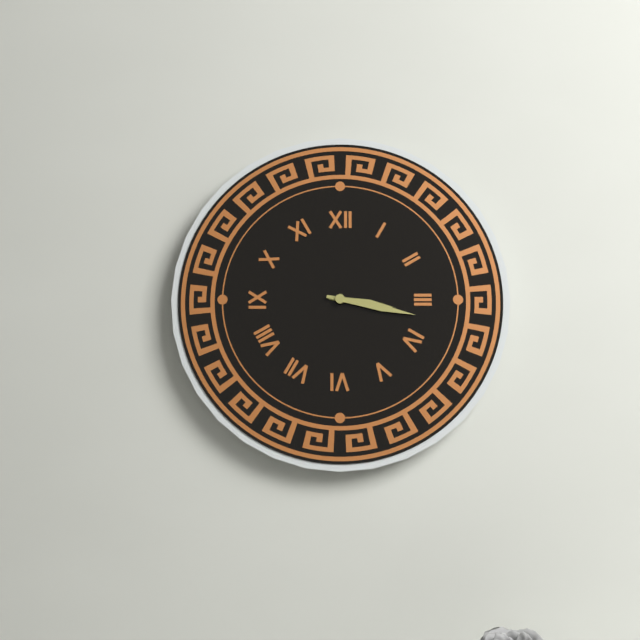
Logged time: 3.17
